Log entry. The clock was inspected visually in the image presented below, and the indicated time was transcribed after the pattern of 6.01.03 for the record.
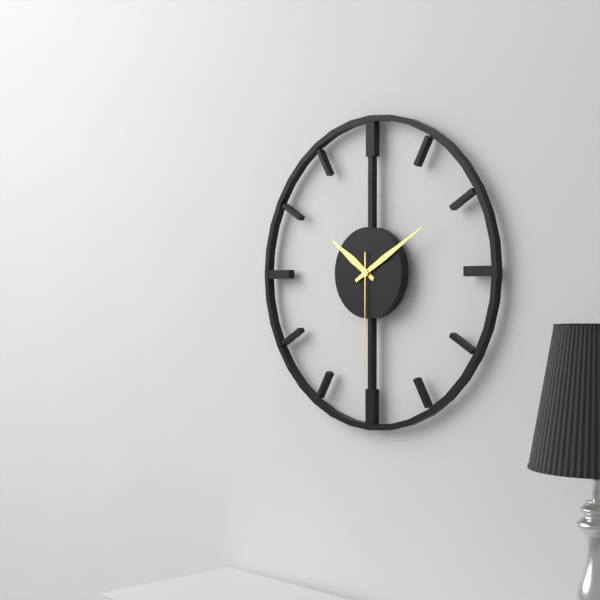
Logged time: 10.10.30
